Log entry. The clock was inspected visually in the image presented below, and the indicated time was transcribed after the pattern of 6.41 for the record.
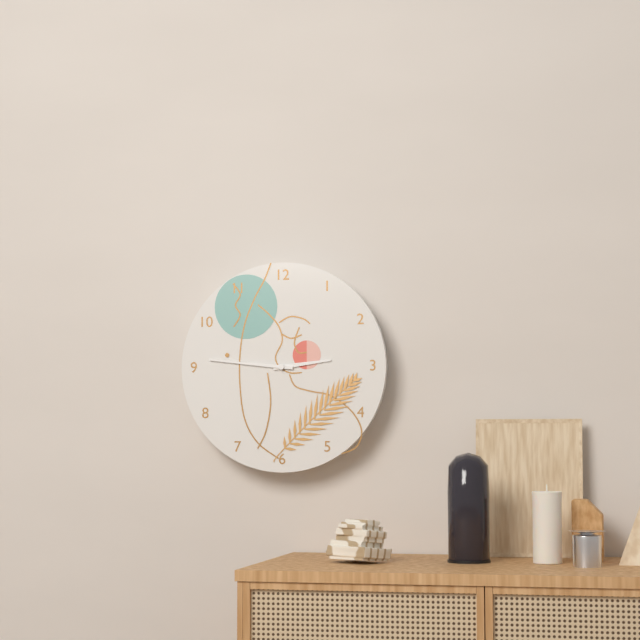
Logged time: 2.46
